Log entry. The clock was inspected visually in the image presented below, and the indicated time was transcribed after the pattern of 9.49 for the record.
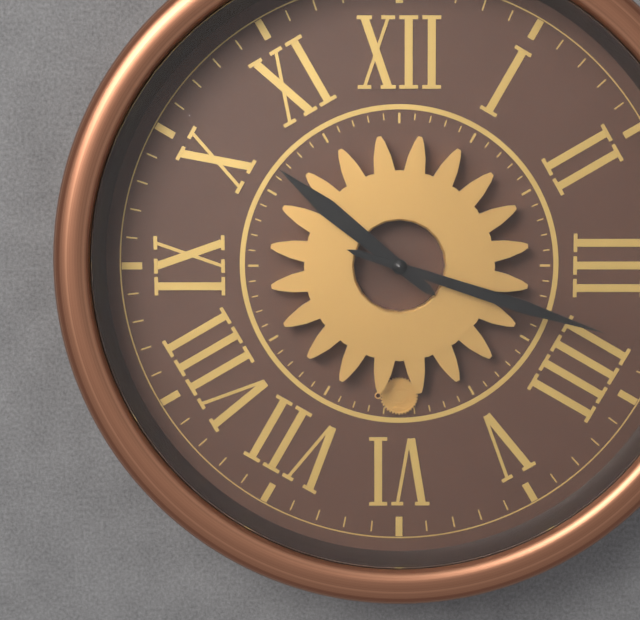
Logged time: 10.18
